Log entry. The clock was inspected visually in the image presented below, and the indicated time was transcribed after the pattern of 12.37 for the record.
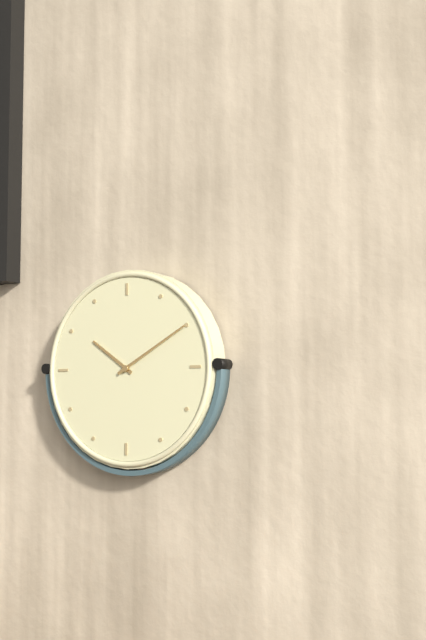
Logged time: 10.10
